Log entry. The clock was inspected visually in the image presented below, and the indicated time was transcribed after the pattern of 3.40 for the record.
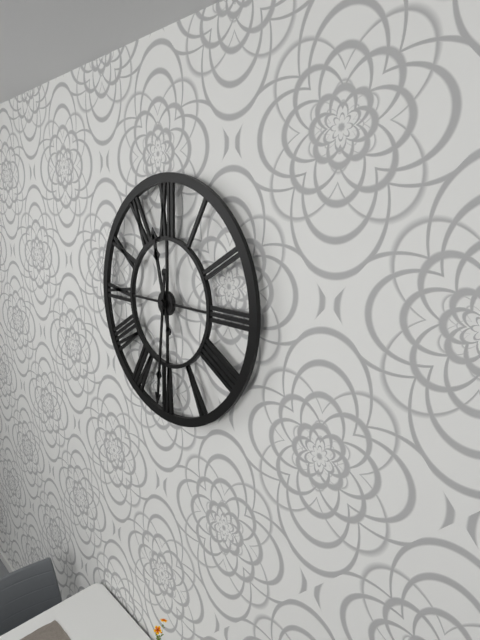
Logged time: 11.31
